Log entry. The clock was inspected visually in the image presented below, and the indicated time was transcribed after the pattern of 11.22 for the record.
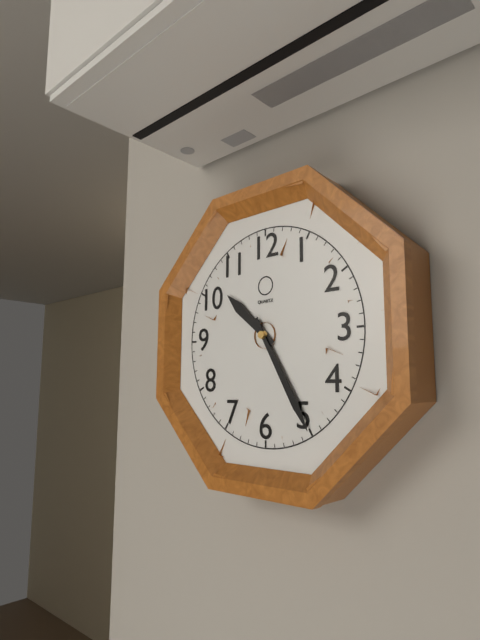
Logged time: 10.25
